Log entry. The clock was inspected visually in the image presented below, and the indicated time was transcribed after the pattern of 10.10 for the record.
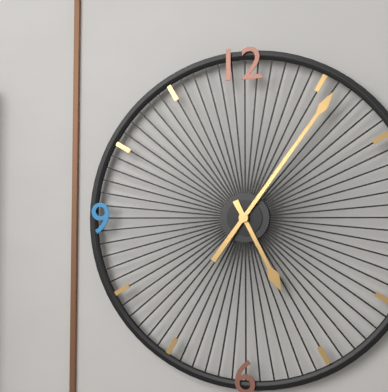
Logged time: 5.06
